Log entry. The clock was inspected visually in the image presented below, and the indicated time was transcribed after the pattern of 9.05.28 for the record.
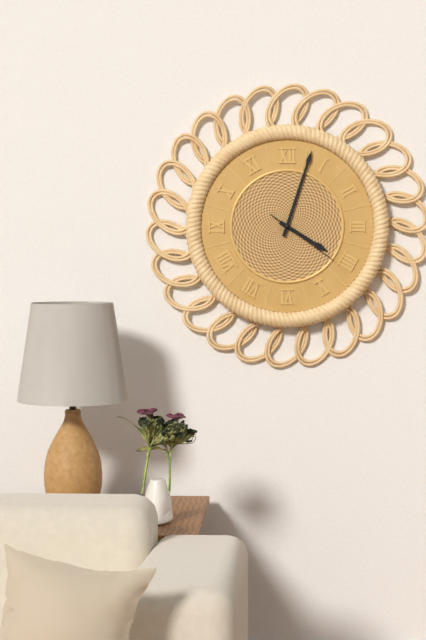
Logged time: 4.03.21
